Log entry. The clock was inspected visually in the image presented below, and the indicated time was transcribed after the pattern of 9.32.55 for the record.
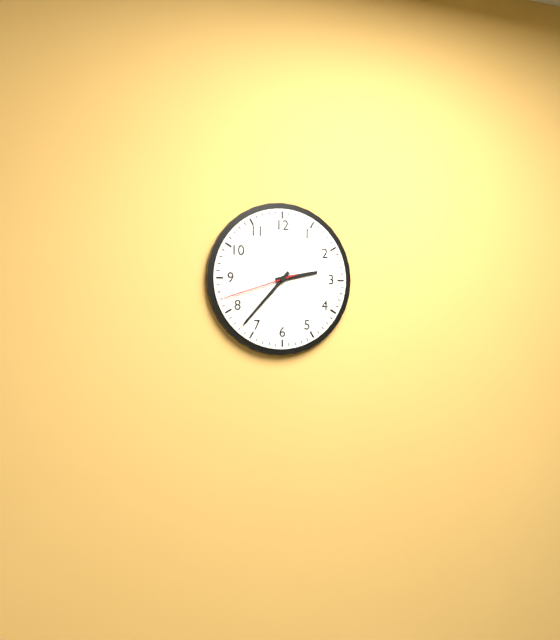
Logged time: 2.37.42
